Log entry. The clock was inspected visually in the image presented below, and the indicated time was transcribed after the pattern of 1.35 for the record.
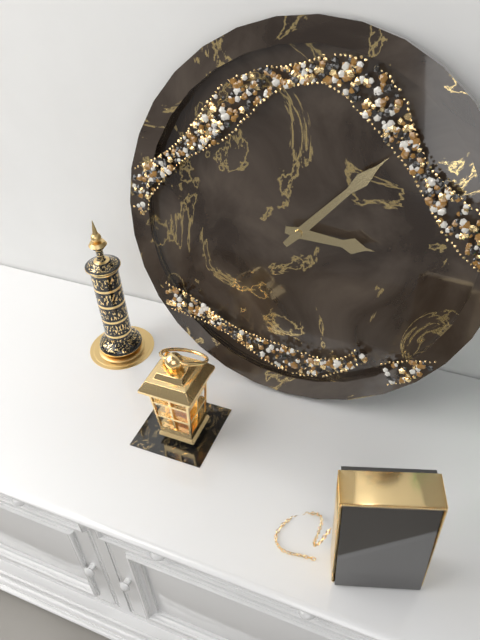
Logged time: 3.07
